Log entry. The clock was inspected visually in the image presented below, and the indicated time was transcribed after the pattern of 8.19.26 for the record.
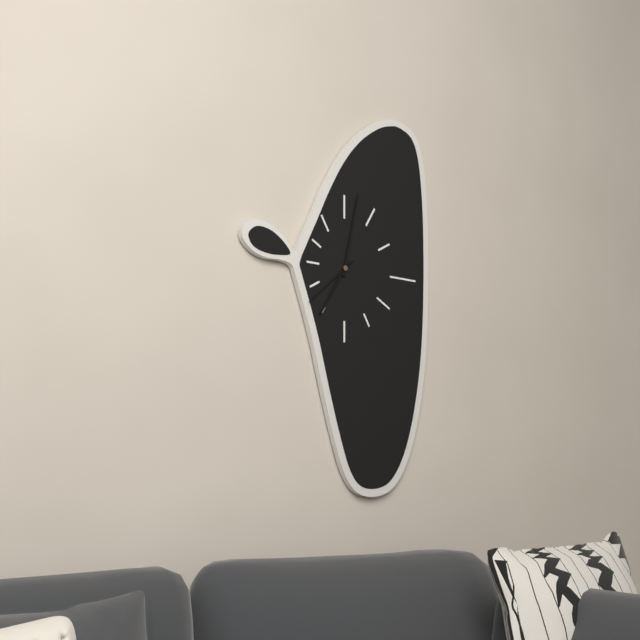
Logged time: 7.02.38
